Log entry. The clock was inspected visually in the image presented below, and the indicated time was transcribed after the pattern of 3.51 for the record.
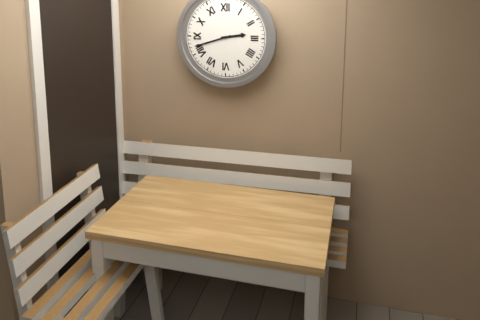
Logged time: 2.42
